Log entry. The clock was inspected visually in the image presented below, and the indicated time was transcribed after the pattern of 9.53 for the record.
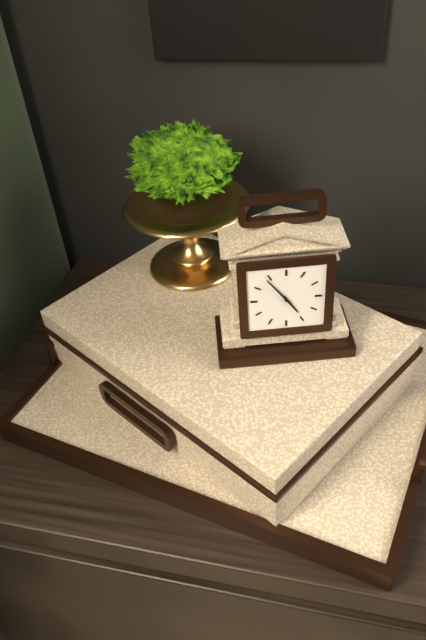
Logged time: 4.54
